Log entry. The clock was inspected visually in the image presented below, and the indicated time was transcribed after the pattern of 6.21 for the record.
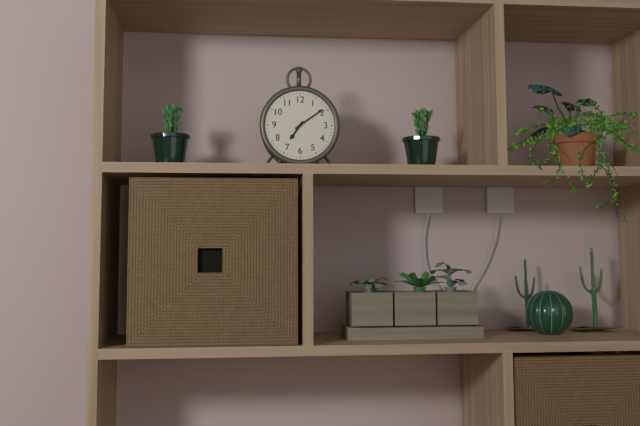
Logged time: 7.09
